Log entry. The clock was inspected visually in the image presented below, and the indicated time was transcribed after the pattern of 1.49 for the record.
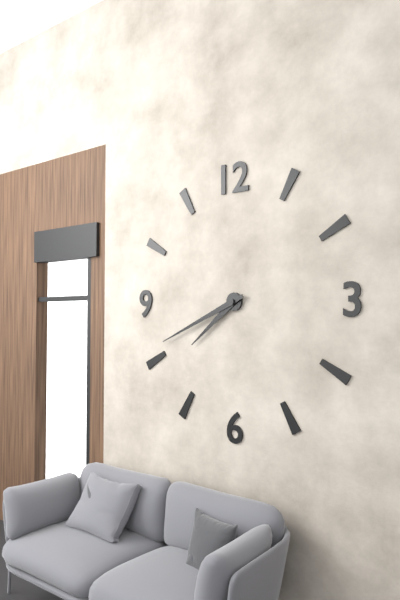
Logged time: 7.41
